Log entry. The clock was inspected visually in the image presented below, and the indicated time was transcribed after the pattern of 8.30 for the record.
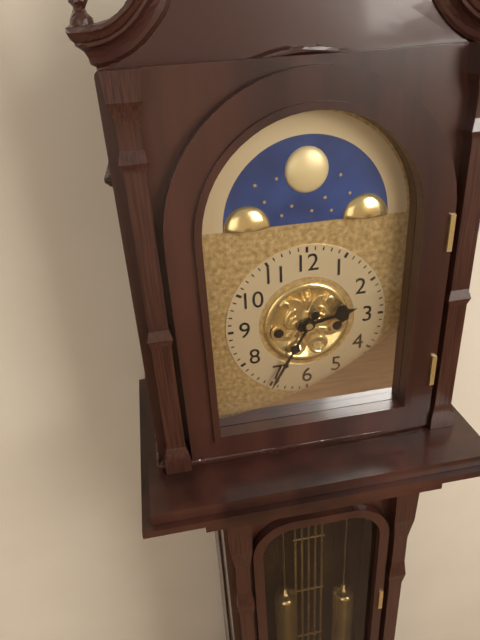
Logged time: 2.35
